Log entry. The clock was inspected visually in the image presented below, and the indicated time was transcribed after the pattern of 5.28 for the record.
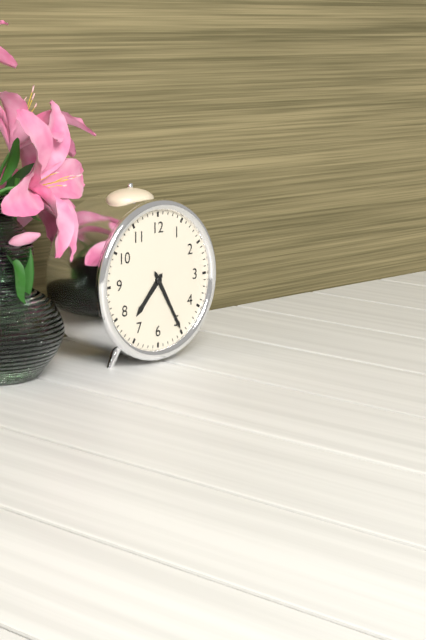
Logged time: 7.25
